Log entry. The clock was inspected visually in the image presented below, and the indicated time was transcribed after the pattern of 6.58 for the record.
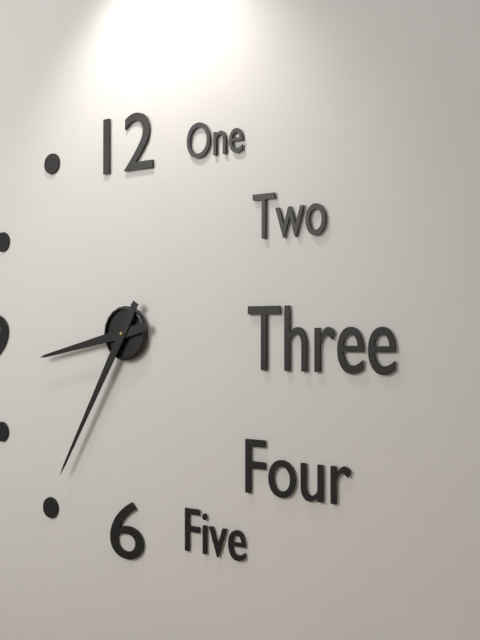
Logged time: 8.35
